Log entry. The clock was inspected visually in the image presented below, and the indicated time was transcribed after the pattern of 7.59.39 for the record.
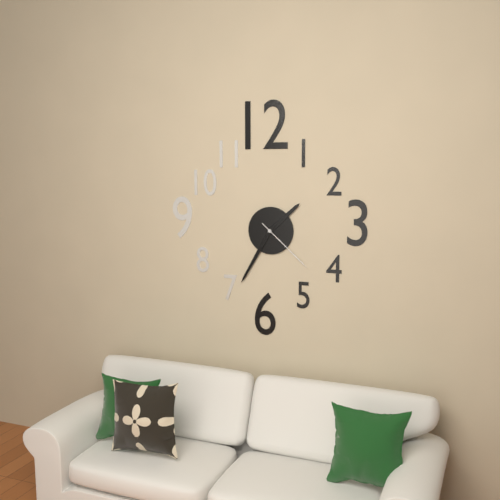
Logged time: 1.35.22
